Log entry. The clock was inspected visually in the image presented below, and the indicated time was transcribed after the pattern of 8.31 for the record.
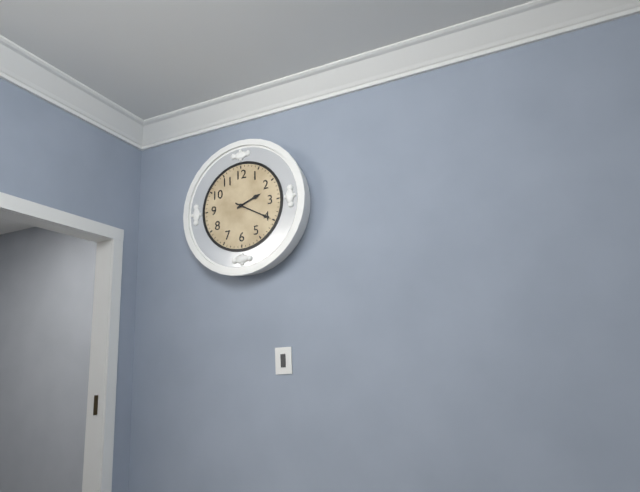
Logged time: 2.20
